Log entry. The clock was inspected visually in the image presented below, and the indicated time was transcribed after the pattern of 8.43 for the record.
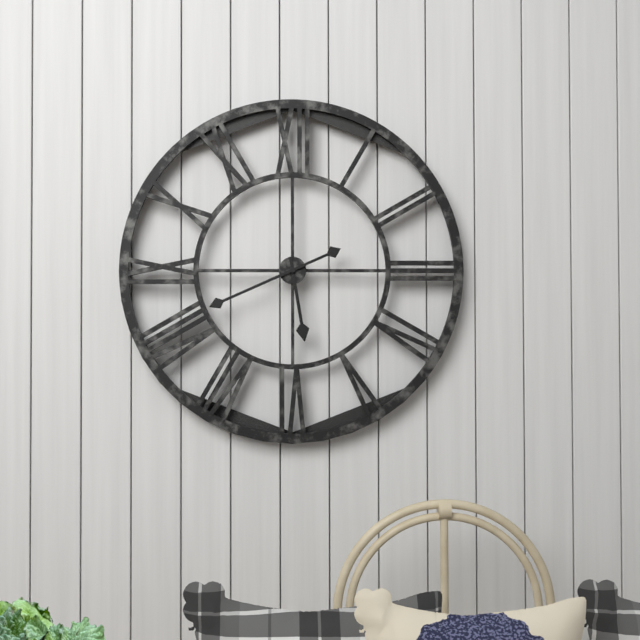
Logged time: 5.41
